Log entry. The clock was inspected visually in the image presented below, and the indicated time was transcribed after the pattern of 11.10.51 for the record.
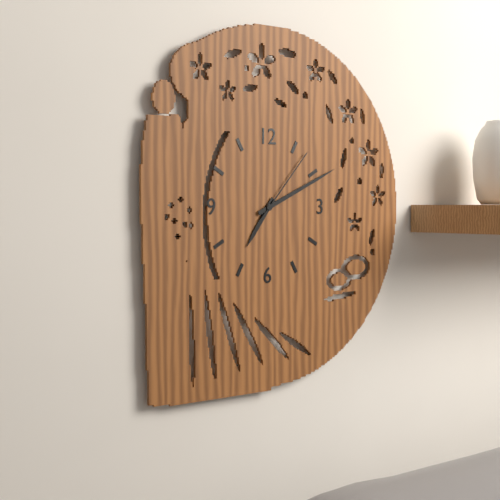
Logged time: 7.11.07
